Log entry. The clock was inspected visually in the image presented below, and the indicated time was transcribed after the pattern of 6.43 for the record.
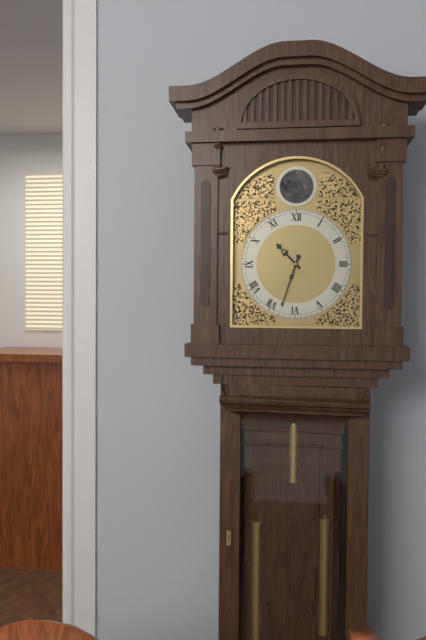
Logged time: 10.33
